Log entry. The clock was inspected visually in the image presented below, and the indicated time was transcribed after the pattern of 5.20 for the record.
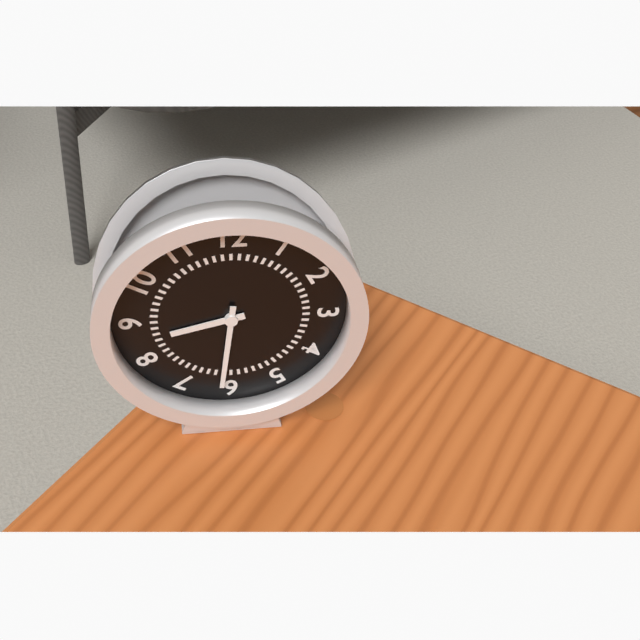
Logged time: 8.31
